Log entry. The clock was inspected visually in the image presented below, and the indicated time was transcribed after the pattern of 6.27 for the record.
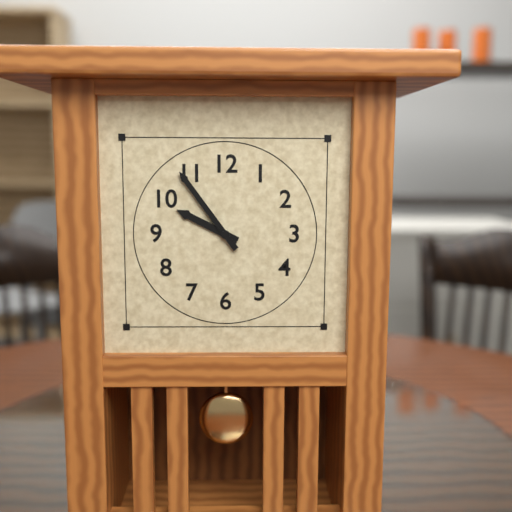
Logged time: 9.54
